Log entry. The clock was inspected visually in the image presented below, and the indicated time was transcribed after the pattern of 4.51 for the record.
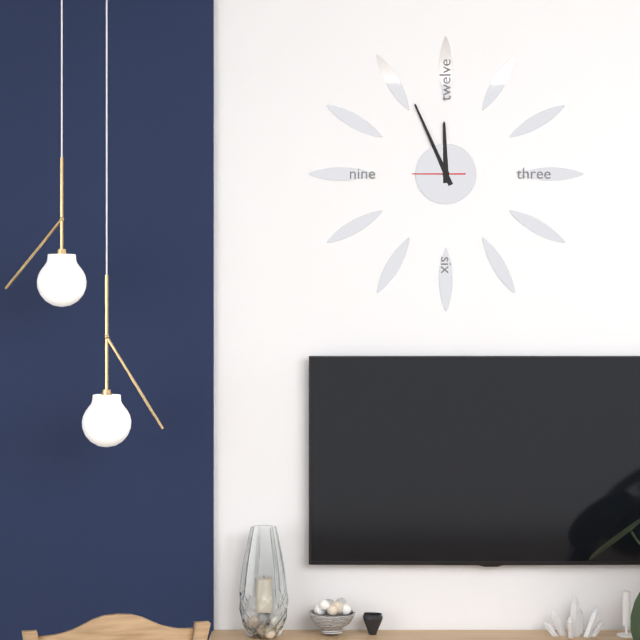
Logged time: 11.56
